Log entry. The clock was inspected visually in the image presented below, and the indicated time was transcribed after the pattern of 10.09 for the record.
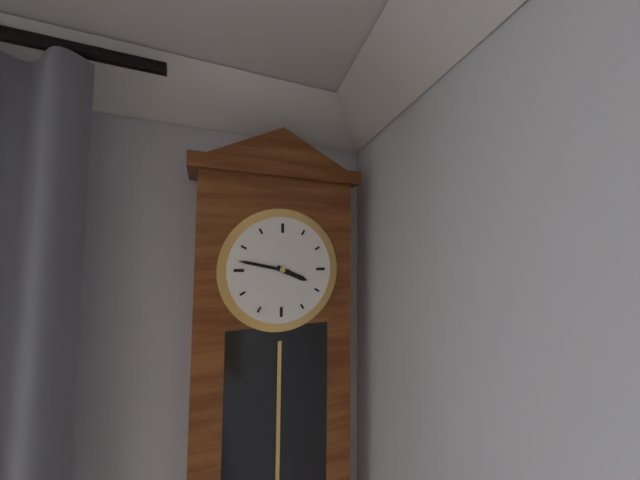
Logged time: 3.47
